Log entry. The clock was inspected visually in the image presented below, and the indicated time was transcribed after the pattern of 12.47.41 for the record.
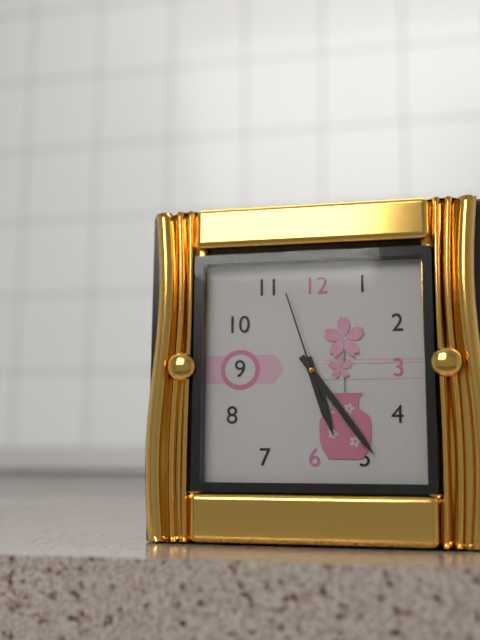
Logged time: 5.24.57
